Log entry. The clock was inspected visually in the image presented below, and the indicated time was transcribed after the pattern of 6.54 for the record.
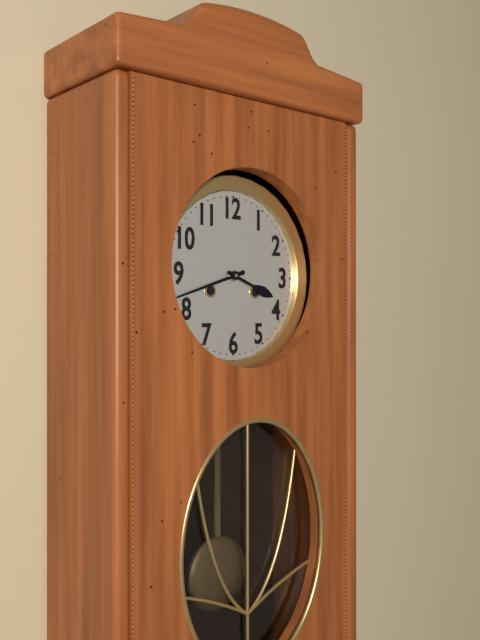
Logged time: 3.42
